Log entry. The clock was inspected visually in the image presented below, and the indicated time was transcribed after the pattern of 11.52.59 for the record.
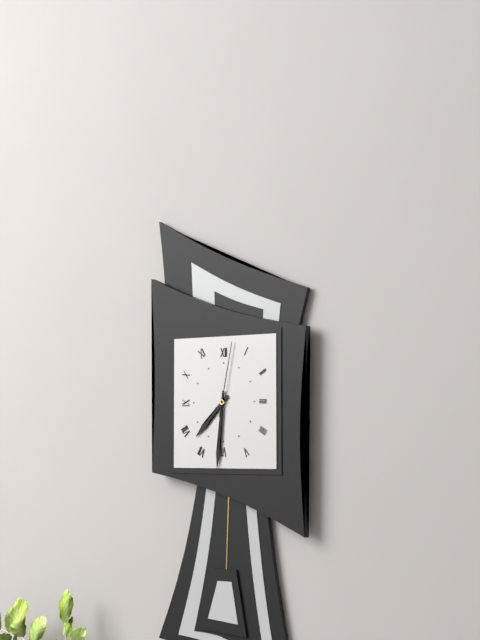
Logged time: 7.31.02
